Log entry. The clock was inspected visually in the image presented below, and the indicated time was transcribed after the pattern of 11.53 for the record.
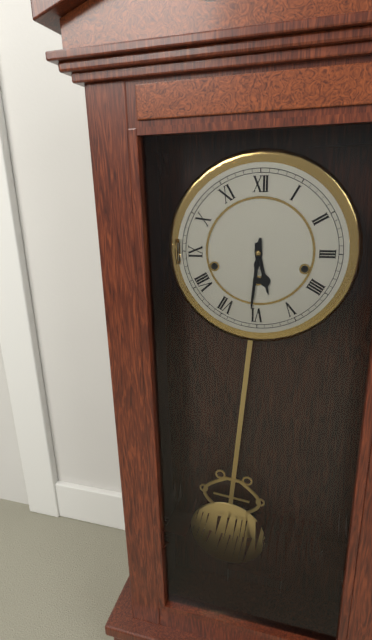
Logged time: 5.31
